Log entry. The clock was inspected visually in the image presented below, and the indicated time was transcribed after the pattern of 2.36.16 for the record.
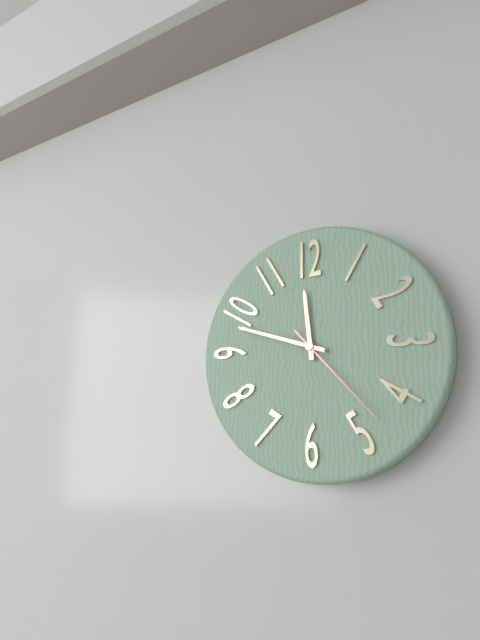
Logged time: 11.48.23
